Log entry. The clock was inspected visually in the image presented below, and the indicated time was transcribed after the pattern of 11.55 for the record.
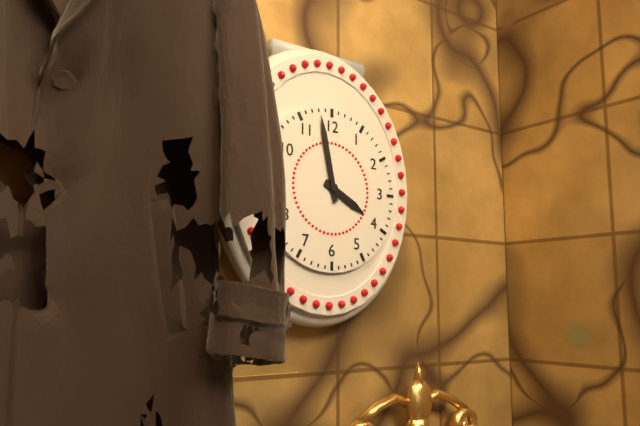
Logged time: 3.58
